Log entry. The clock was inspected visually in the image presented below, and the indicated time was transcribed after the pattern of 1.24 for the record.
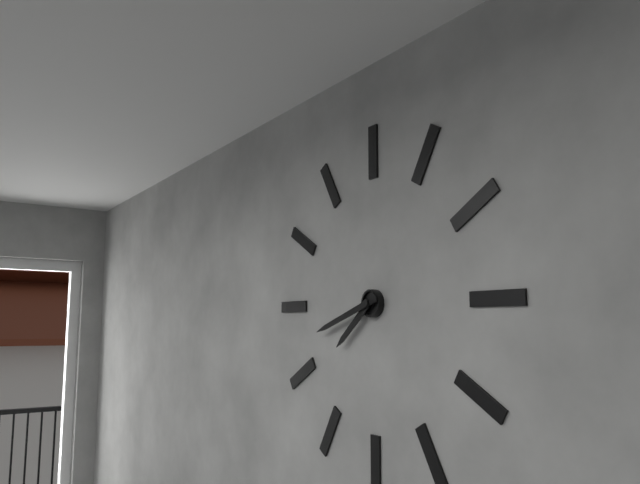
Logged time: 7.42
